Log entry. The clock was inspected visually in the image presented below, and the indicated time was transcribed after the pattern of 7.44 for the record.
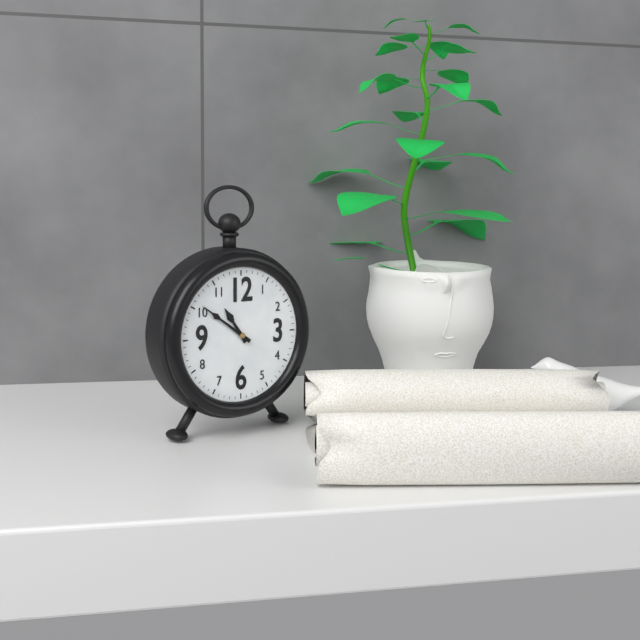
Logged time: 10.51
